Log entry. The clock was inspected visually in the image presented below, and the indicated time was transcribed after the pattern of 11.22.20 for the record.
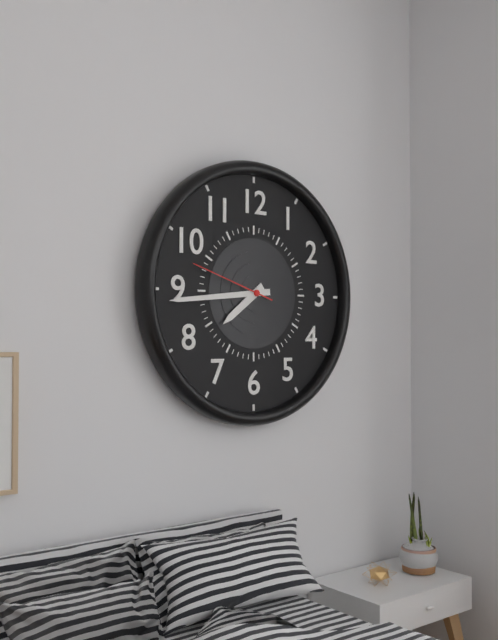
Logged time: 7.44.48
